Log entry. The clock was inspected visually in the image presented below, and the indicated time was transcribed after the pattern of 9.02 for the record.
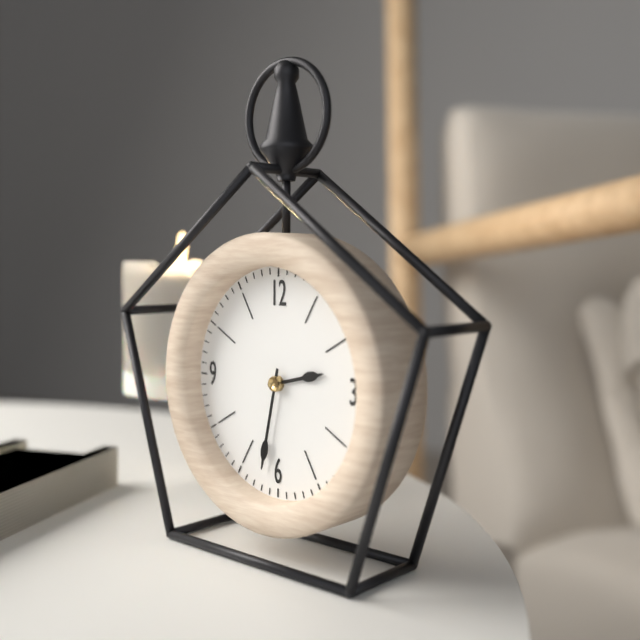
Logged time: 2.32
